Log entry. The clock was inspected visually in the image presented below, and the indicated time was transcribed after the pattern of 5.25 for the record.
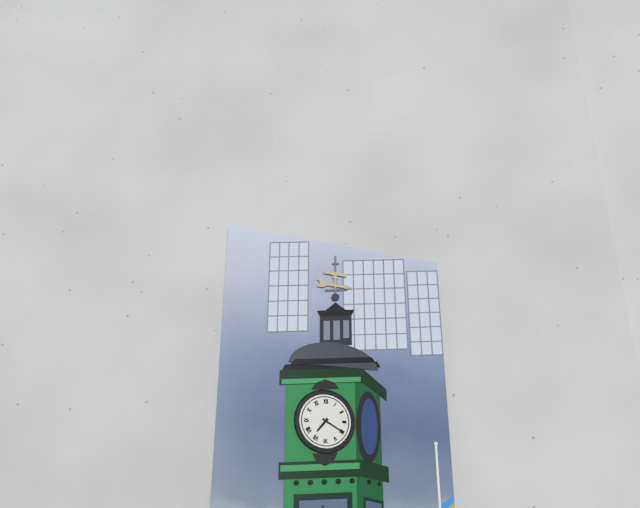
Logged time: 7.20
